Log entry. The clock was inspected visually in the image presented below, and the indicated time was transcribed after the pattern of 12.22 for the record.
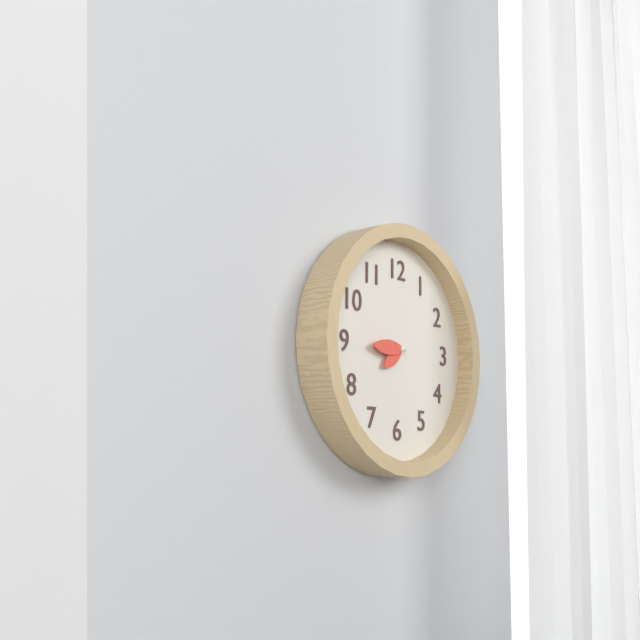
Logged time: 7.45
